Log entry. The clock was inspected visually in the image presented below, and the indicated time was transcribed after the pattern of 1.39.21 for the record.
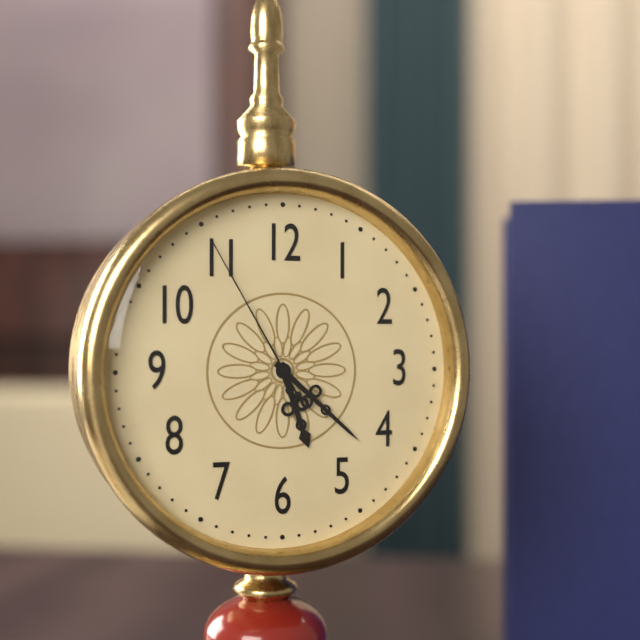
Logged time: 5.22.55
